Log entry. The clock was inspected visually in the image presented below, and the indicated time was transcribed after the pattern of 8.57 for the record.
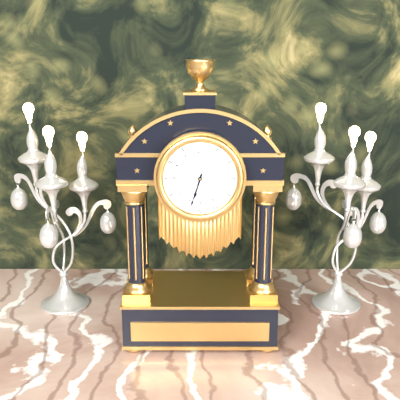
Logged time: 6.33
